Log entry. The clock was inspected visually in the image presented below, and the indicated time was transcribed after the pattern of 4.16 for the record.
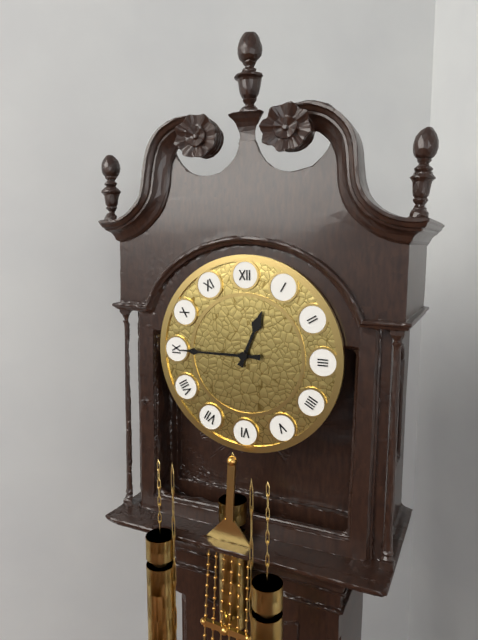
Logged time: 12.45
